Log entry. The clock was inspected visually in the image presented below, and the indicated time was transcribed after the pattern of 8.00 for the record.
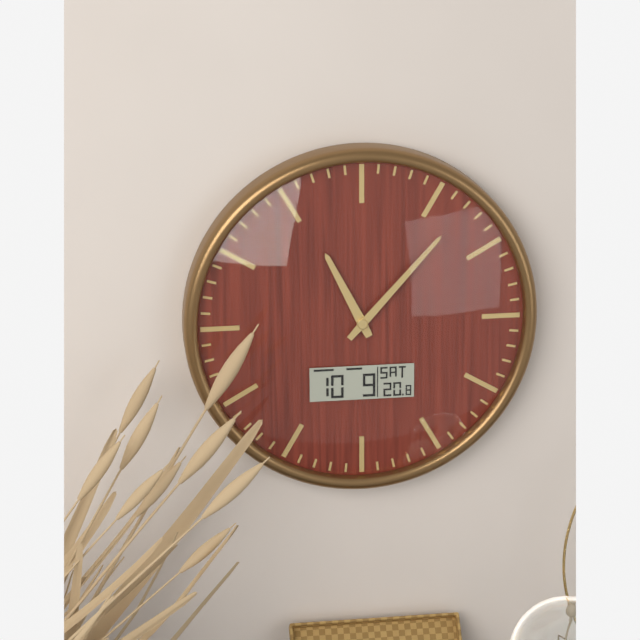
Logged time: 11.07
